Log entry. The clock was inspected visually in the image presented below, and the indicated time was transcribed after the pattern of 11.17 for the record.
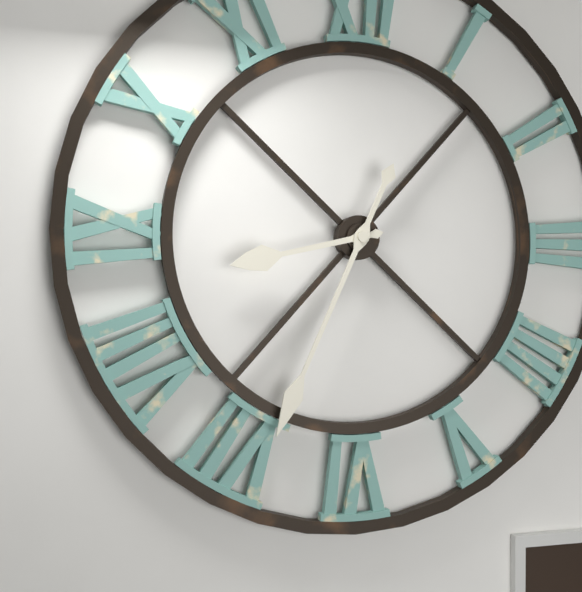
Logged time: 8.34
